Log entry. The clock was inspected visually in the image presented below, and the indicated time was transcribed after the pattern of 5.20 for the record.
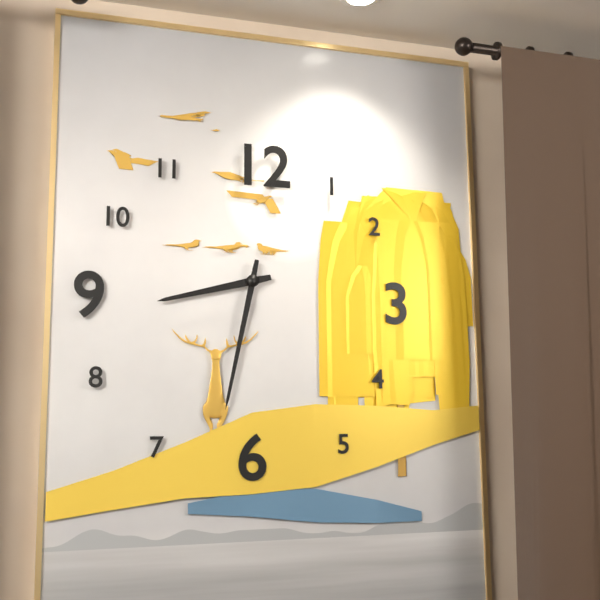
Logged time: 8.32
